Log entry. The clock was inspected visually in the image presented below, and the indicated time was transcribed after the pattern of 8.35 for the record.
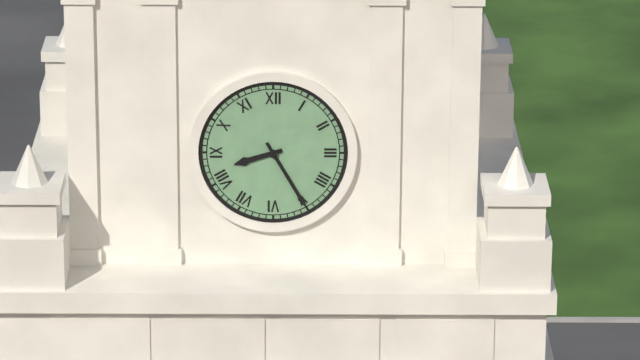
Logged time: 8.25
